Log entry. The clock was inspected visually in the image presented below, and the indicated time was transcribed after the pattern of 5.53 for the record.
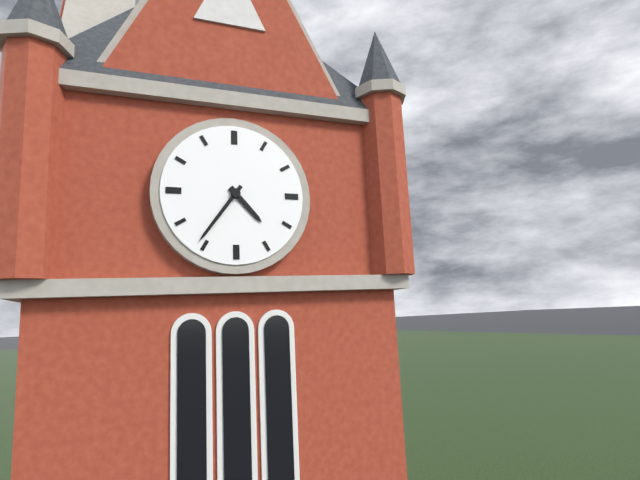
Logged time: 4.36
